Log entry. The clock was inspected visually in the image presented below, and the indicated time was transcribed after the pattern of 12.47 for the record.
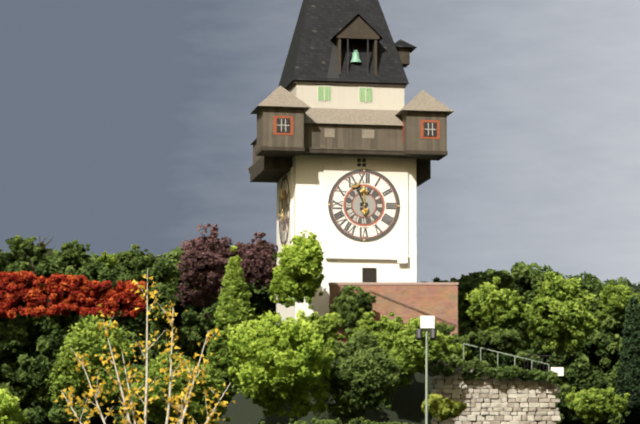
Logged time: 11.56
